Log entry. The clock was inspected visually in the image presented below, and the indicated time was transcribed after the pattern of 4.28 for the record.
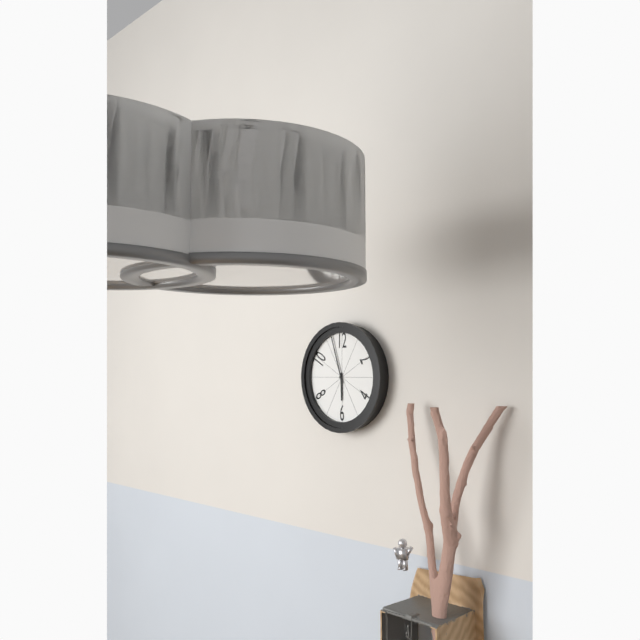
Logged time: 5.57
